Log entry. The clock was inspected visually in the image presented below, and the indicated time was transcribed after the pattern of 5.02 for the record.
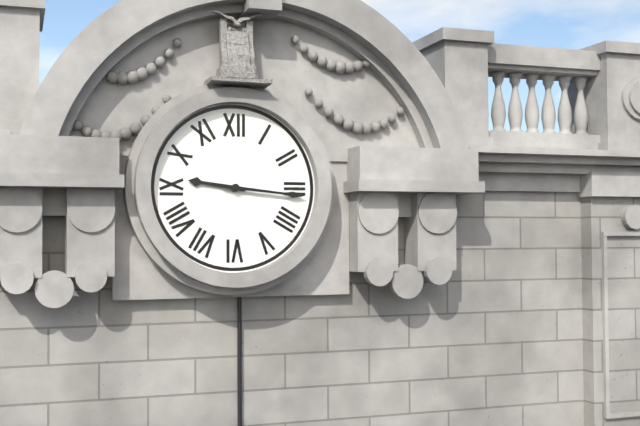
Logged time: 9.16
